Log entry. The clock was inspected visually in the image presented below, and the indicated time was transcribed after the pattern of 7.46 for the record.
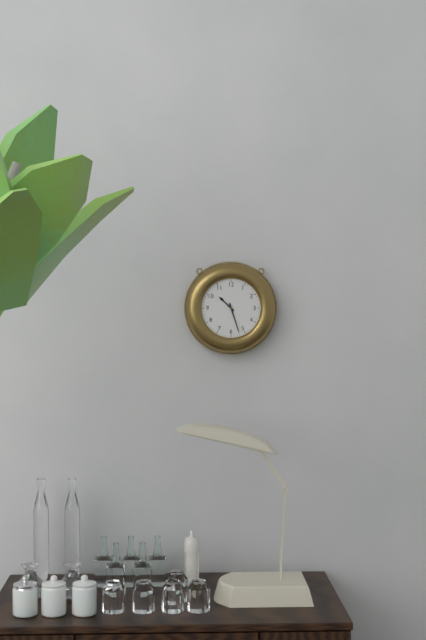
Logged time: 10.27
